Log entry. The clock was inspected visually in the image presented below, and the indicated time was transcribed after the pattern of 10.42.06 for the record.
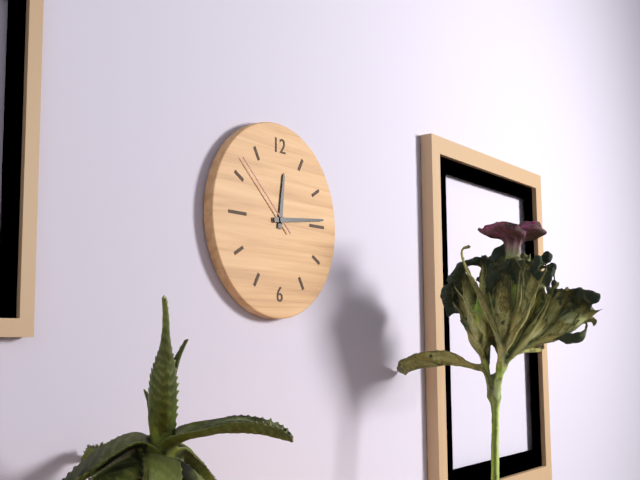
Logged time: 12.14.52
